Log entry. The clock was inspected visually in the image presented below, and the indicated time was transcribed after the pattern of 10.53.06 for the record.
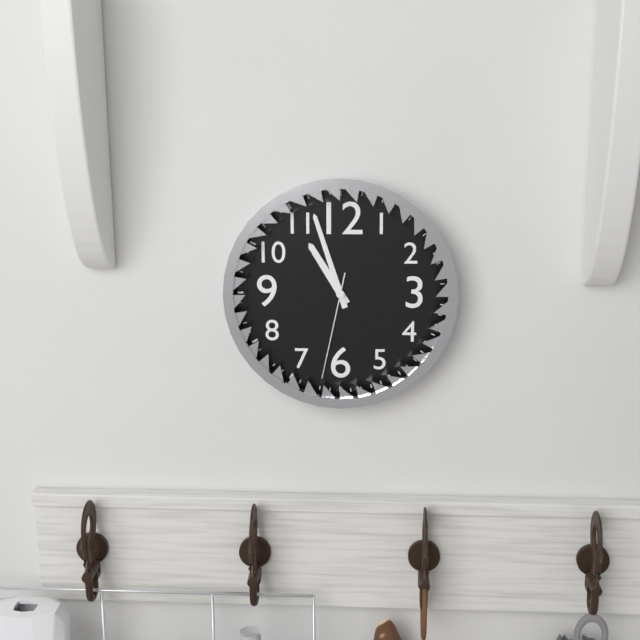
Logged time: 10.57.32
